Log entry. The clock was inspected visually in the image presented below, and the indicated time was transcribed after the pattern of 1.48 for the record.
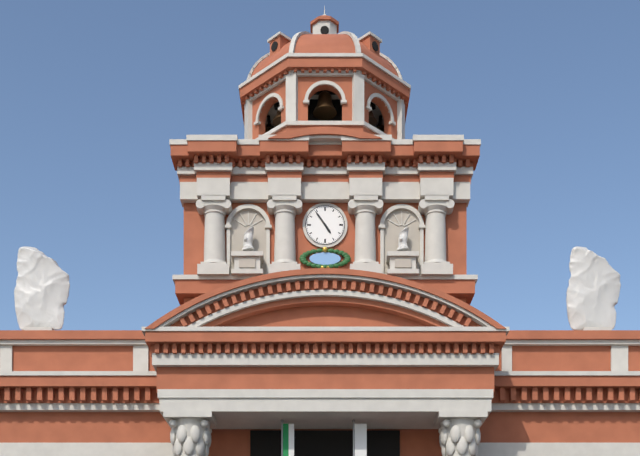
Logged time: 4.54
